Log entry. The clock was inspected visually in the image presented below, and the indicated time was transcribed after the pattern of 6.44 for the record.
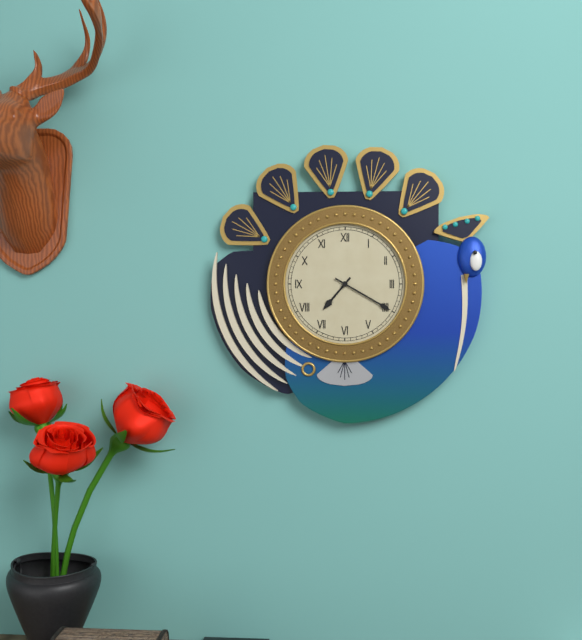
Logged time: 7.20
